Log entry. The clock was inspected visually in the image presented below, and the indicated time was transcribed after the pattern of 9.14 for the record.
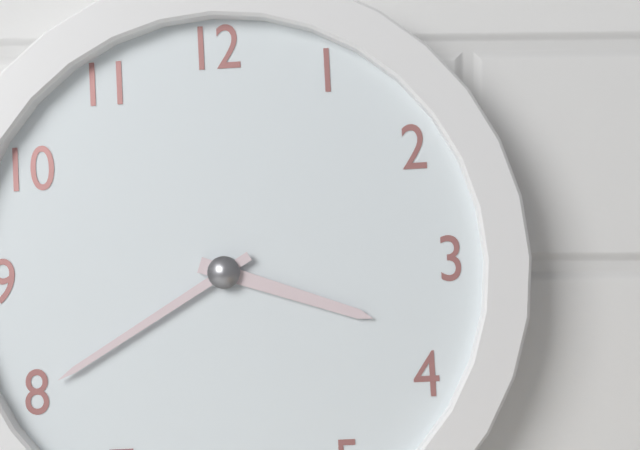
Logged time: 3.40
